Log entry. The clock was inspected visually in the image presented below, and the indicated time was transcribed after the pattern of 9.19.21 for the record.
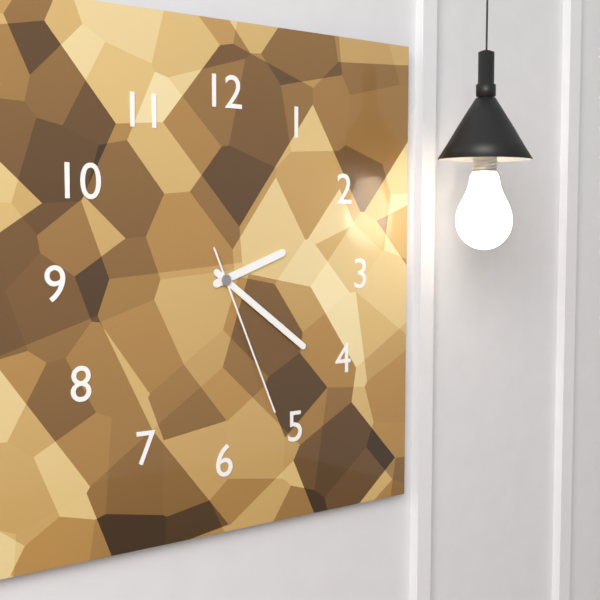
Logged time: 2.21.26
